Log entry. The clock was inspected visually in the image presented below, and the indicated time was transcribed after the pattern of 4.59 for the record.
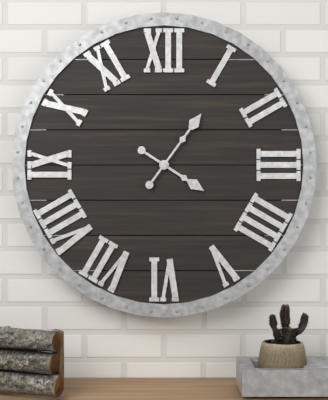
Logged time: 4.06
